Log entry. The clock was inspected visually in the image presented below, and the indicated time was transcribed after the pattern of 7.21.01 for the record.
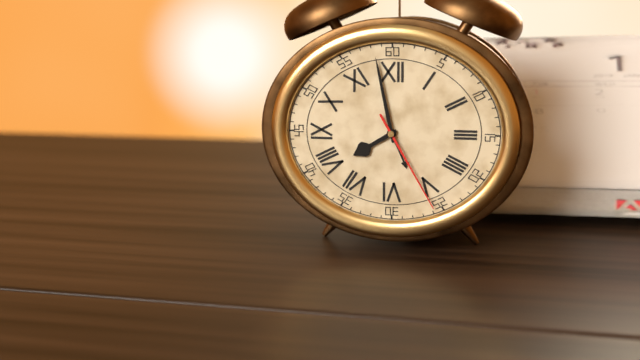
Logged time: 7.58.25
